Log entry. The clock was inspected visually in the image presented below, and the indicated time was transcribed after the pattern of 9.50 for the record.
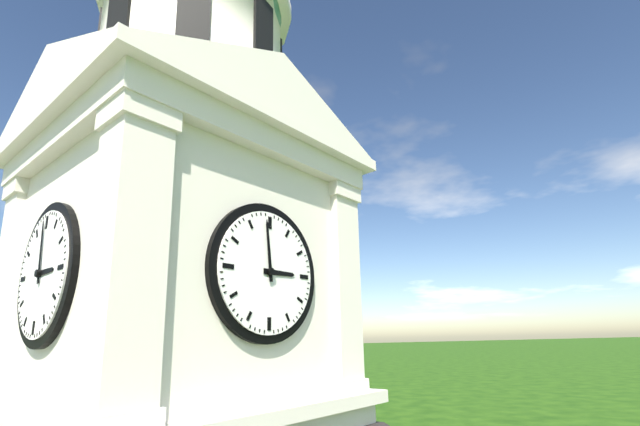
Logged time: 2.59
